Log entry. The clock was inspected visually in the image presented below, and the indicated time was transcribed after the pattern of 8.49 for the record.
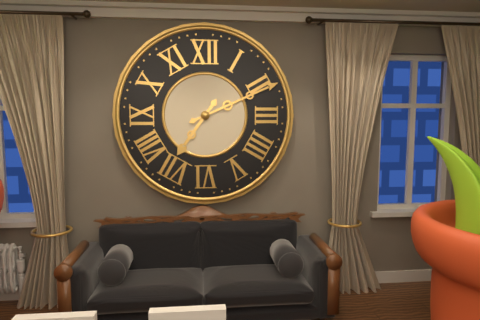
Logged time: 7.11
